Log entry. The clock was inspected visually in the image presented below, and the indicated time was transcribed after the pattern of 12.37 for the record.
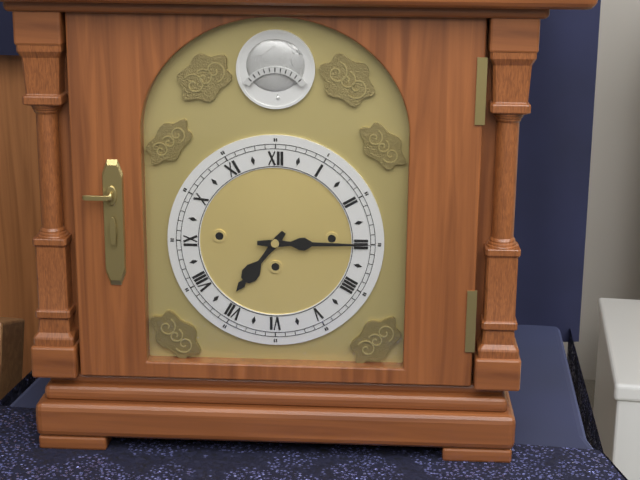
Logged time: 7.15
